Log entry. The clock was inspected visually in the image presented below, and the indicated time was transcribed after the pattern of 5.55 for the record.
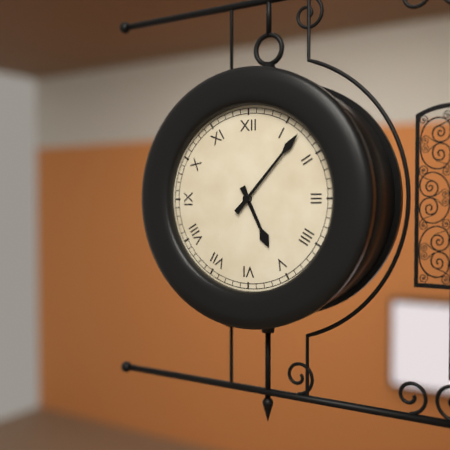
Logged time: 5.07
